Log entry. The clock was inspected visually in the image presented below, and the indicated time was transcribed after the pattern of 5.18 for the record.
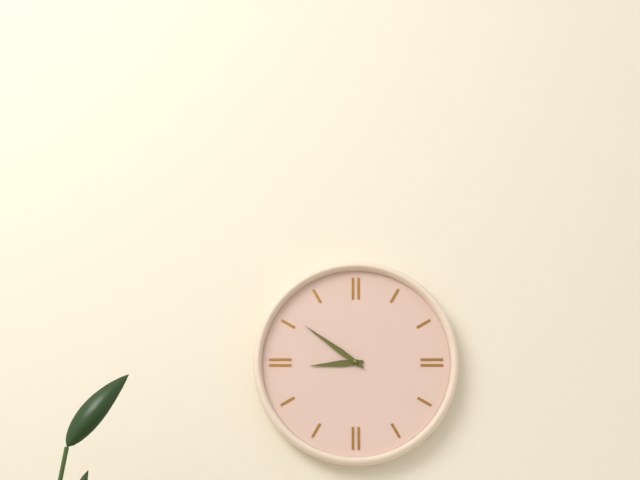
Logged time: 8.51
